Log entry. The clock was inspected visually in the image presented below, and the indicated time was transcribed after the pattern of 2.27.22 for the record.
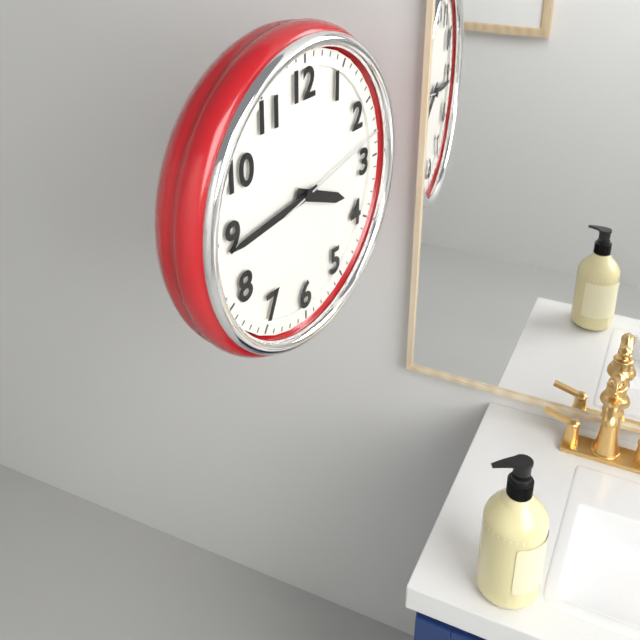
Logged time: 3.44.13
